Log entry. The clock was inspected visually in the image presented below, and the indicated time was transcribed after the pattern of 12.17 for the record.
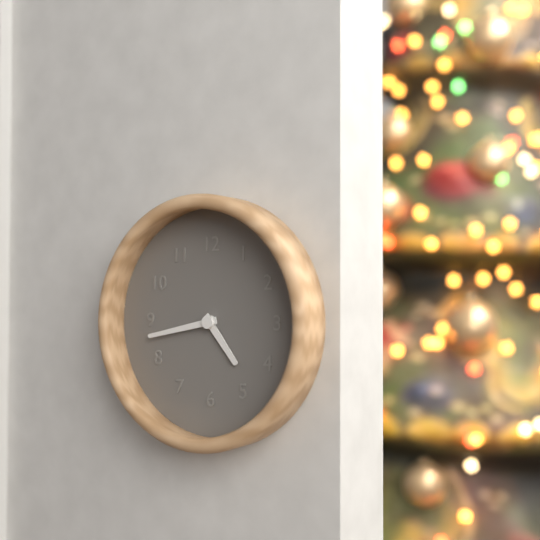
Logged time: 4.43
